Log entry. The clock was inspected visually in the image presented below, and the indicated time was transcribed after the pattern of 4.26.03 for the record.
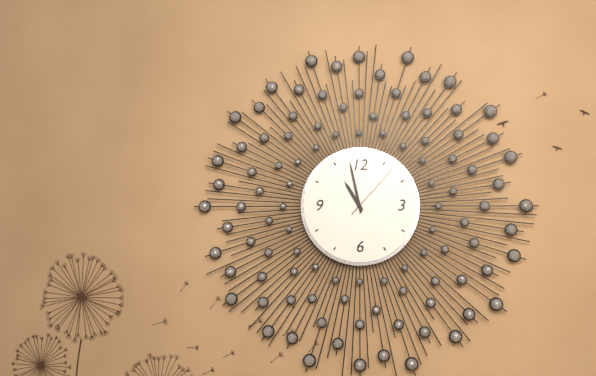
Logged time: 10.58.07
